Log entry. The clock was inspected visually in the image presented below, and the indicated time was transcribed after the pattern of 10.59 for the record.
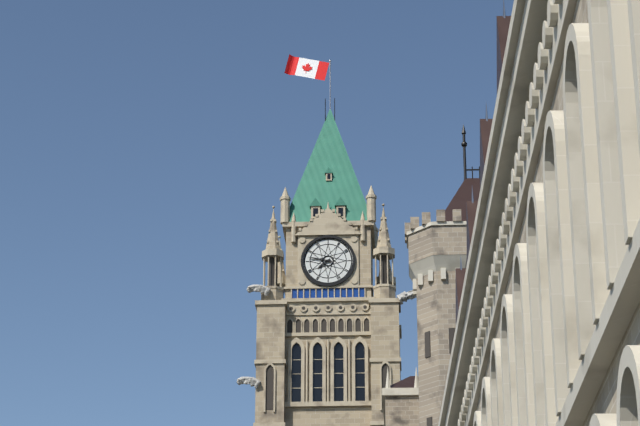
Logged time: 7.47
